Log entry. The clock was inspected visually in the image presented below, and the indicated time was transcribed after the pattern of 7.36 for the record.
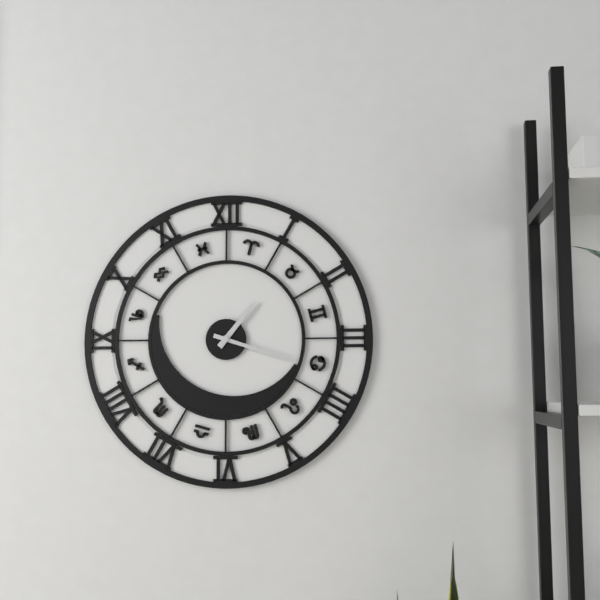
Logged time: 1.18
